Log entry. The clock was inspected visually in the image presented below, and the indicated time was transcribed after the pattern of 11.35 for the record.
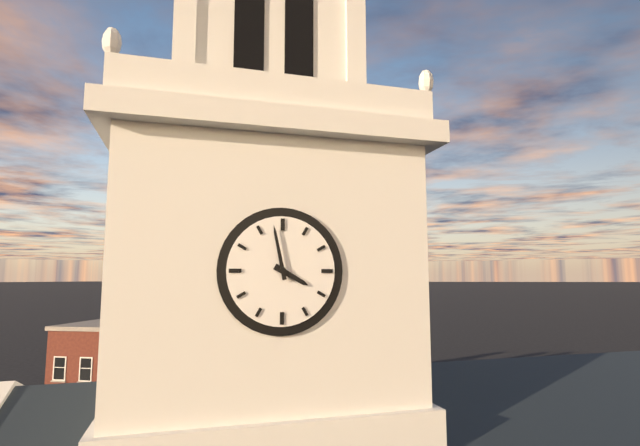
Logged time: 3.58
